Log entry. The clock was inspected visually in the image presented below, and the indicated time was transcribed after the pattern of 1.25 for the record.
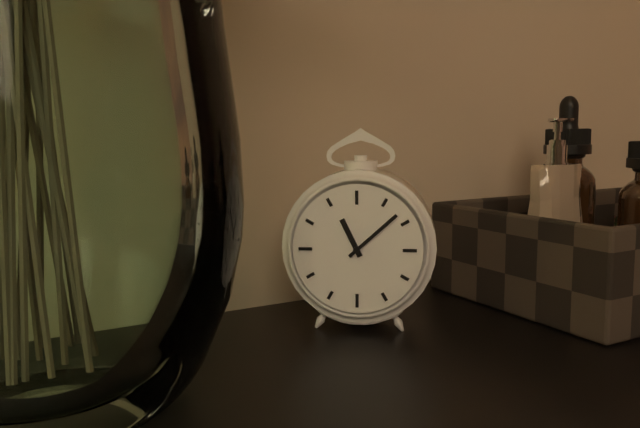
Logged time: 11.08
